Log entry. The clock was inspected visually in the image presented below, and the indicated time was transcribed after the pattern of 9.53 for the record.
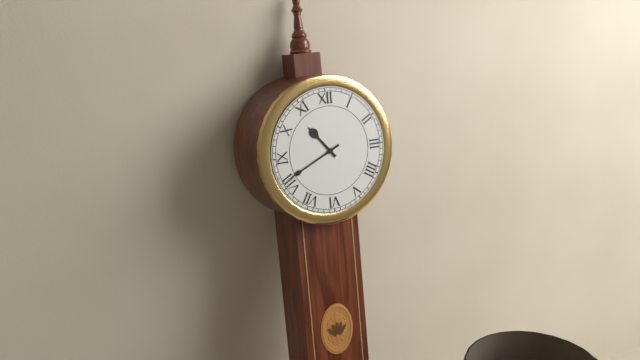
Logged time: 10.41
